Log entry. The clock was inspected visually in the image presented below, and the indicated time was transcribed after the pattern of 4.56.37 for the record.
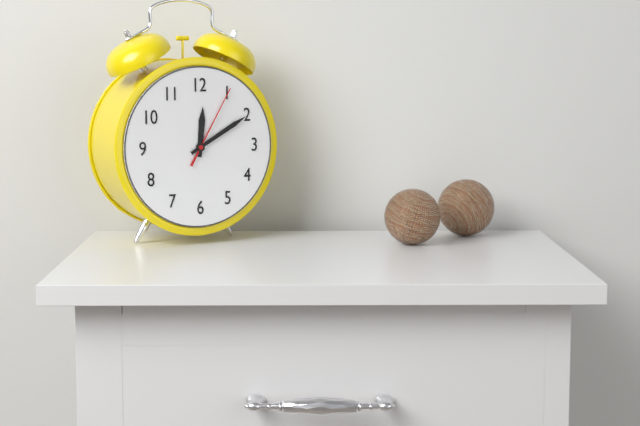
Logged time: 12.10.05
